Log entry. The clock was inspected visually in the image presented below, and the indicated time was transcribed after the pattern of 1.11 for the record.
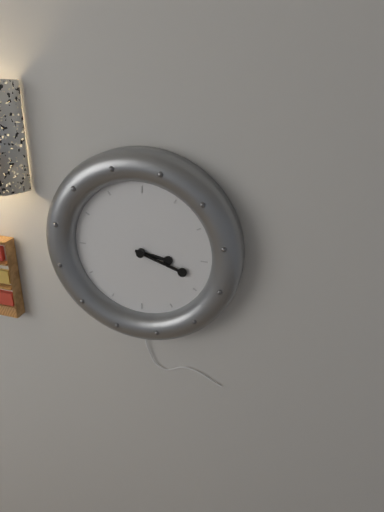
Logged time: 3.18
